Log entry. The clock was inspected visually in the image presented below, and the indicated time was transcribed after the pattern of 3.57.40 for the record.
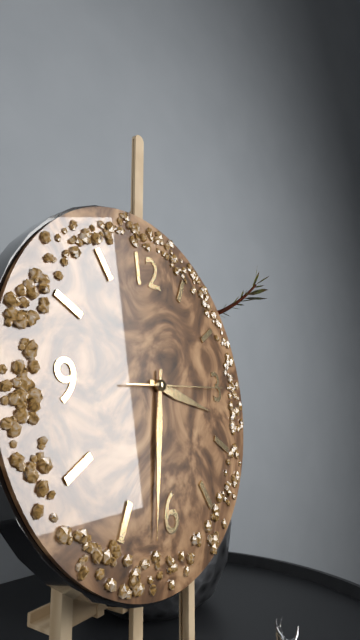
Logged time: 3.32.15
